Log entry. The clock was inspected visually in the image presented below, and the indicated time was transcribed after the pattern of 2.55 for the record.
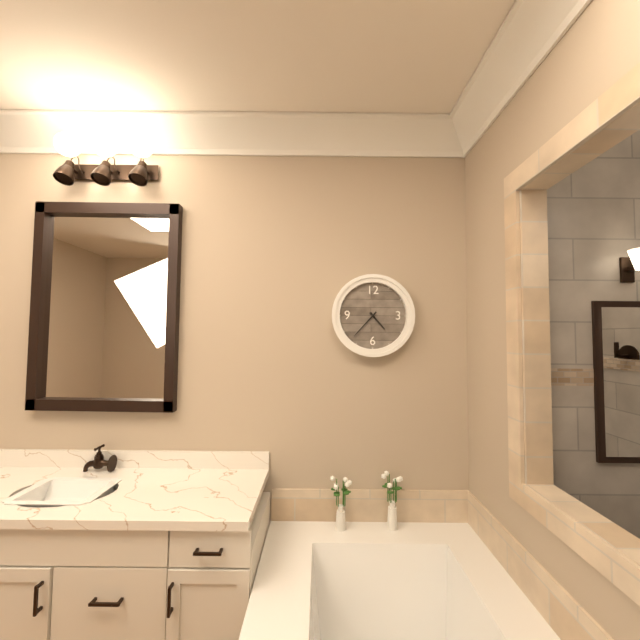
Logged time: 4.37
